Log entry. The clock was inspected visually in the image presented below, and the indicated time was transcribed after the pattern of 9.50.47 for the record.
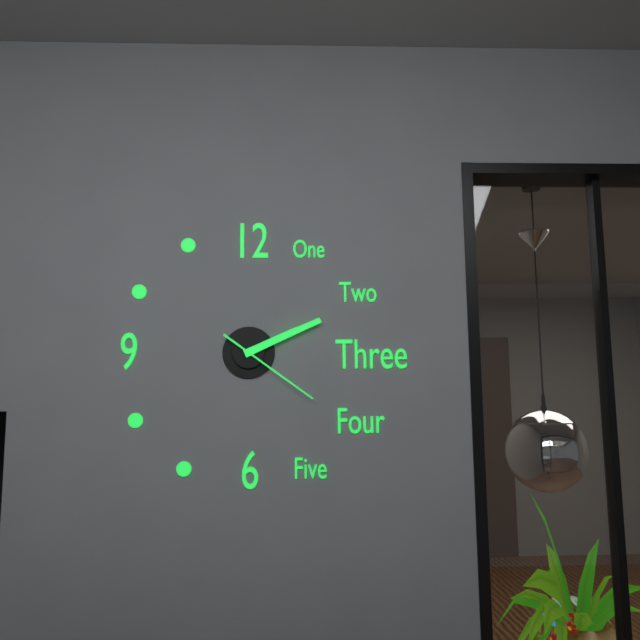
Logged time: 2.11.21
